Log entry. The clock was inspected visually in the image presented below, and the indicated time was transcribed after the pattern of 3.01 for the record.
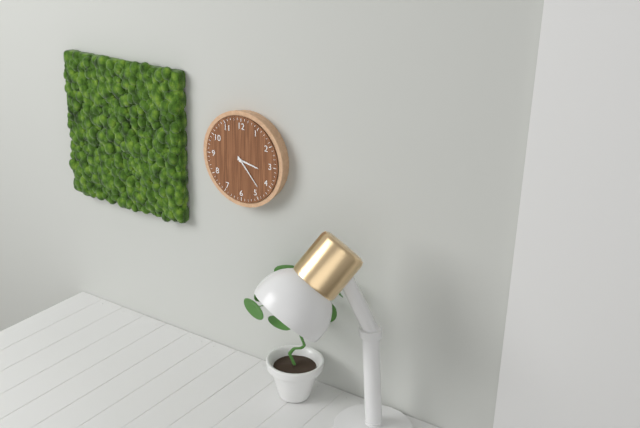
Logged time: 3.23
